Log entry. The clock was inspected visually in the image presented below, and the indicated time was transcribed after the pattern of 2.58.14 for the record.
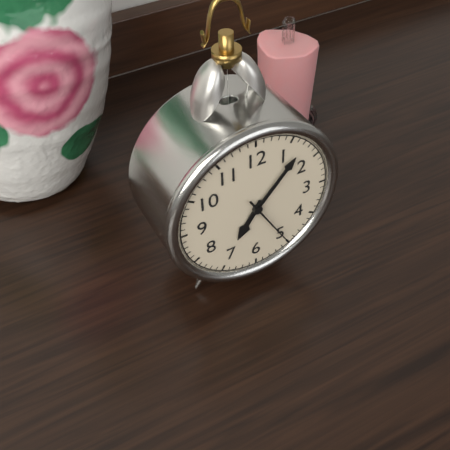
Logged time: 7.07.25
